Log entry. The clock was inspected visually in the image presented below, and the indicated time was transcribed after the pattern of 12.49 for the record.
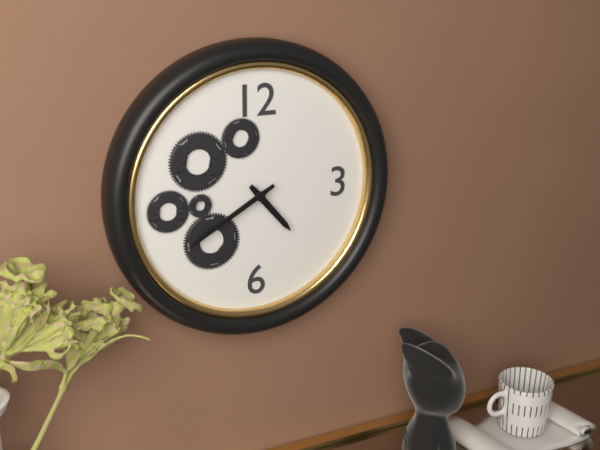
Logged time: 4.40
